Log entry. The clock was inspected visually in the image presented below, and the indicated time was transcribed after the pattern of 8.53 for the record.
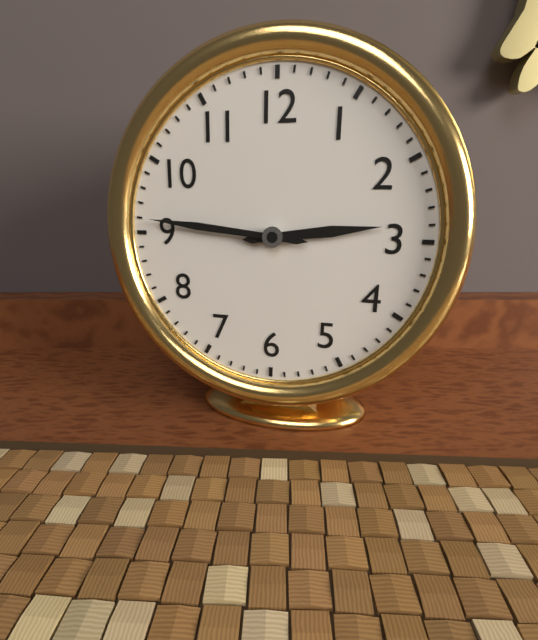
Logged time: 2.46
